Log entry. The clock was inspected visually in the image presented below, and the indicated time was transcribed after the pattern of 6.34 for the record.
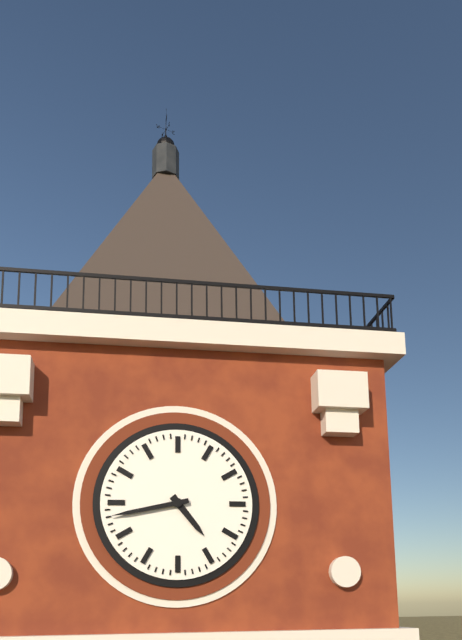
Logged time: 4.43
